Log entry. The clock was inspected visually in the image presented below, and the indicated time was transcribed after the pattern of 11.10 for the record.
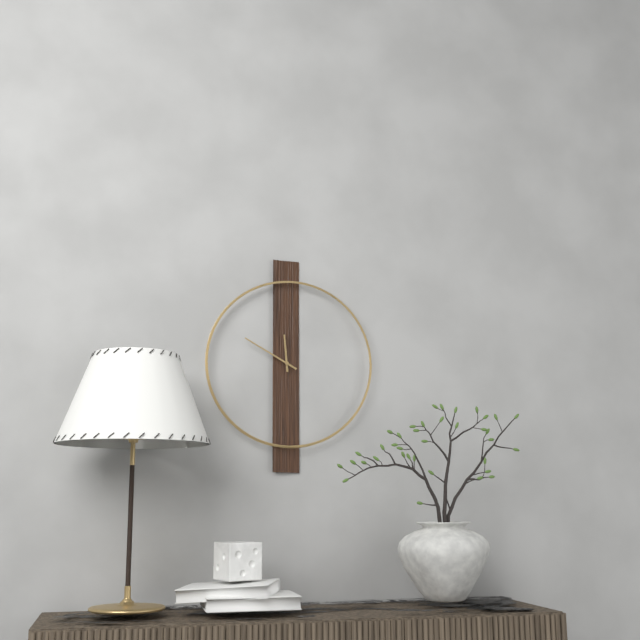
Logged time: 11.50
